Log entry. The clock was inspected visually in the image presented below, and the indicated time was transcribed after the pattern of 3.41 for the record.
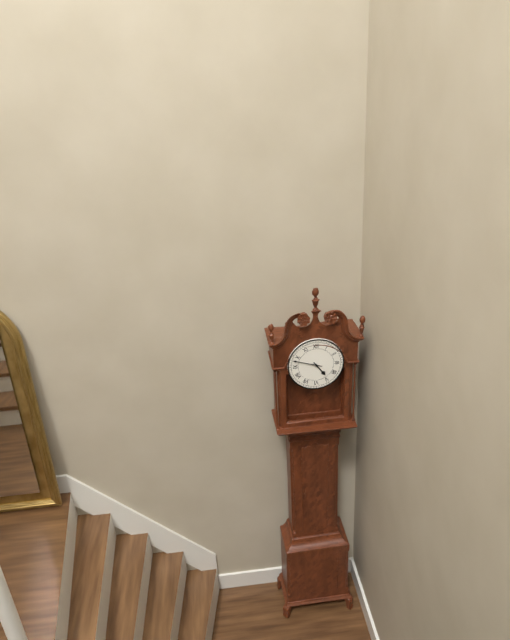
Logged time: 4.48
